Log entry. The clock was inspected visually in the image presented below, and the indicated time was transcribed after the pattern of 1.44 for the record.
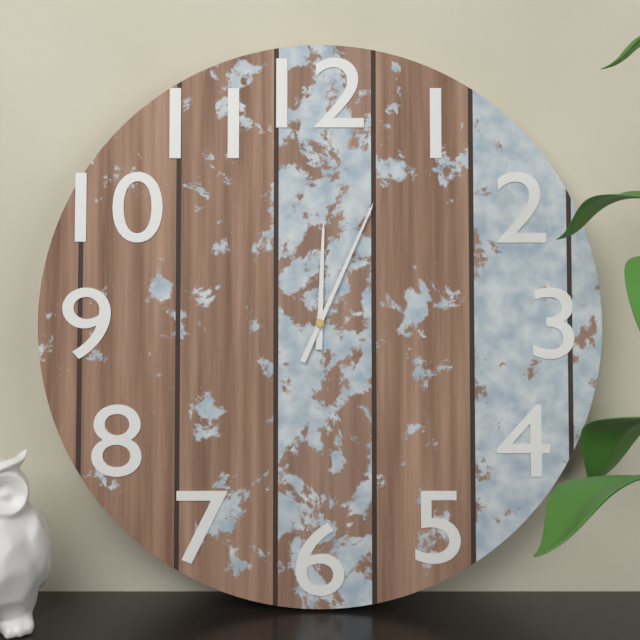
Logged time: 12.04
